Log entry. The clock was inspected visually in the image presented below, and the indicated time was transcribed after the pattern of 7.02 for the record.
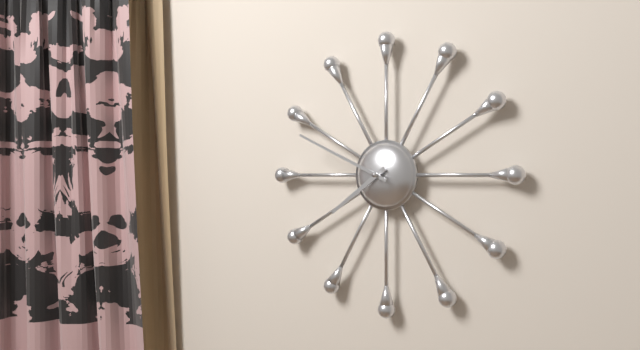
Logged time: 7.49
